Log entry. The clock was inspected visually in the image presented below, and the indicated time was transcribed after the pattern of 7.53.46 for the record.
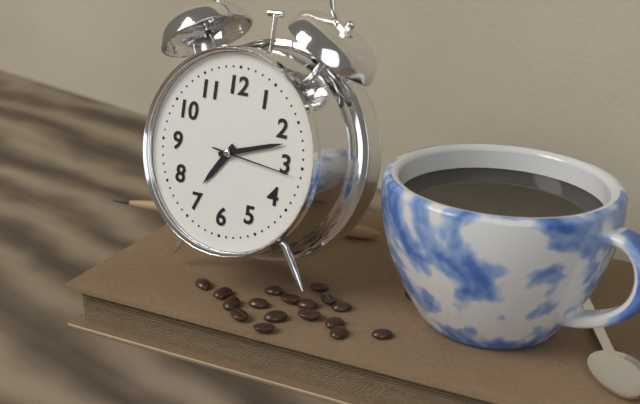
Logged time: 7.12.16
